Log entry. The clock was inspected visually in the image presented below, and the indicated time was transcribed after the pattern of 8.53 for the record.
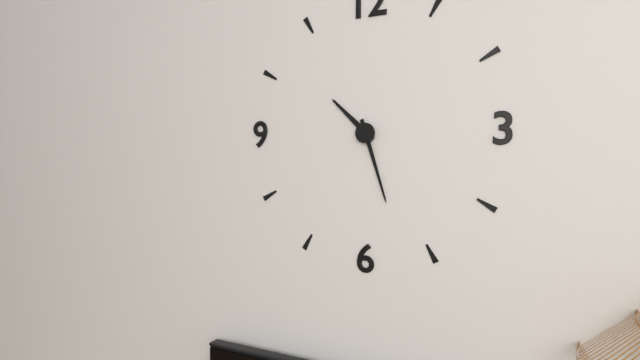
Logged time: 10.27
